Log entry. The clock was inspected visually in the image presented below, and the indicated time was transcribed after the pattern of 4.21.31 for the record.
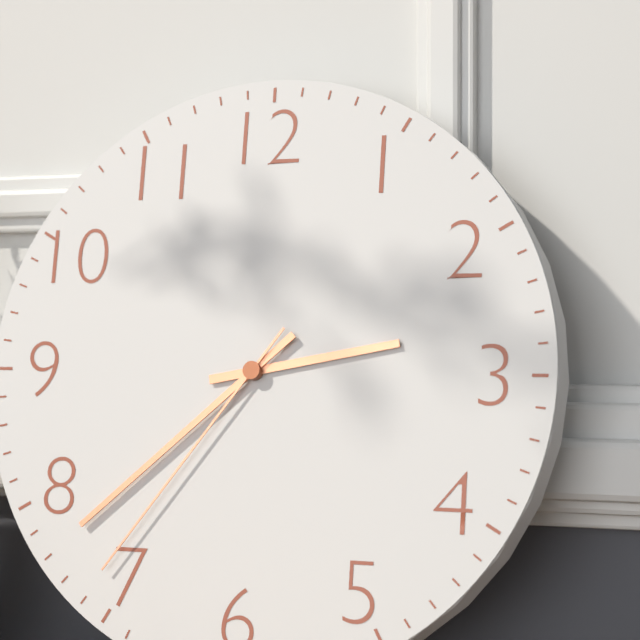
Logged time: 2.38.36
